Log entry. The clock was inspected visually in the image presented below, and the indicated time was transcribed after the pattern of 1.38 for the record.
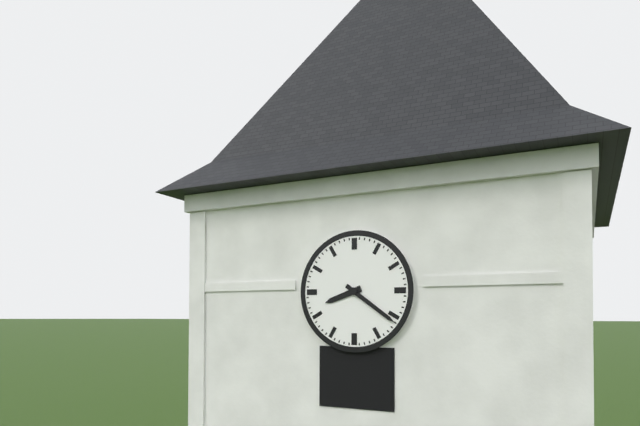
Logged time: 8.21
